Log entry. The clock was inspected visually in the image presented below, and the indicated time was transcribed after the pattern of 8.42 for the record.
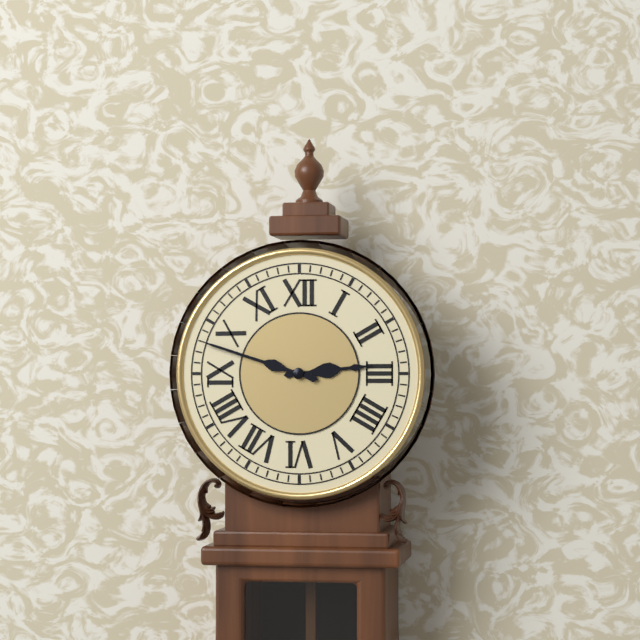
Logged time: 2.48
